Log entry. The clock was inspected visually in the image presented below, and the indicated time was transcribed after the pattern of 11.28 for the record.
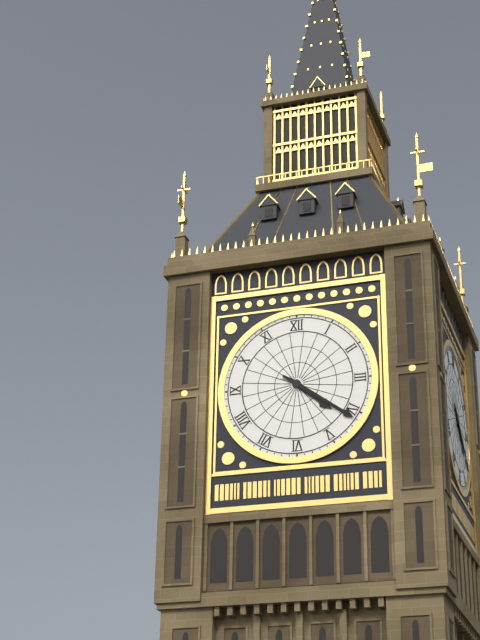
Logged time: 4.21
